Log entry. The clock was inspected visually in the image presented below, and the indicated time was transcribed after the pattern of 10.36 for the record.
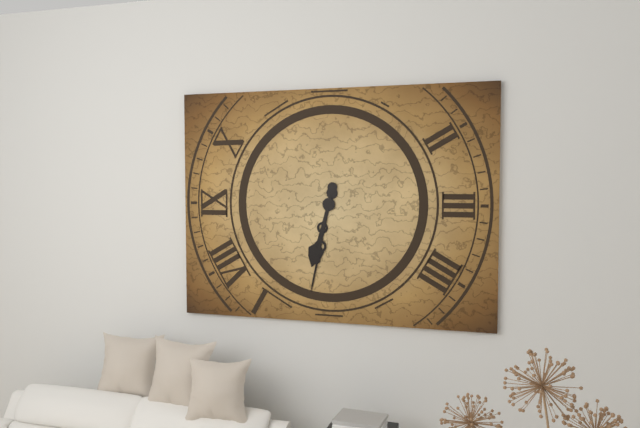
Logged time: 6.32
